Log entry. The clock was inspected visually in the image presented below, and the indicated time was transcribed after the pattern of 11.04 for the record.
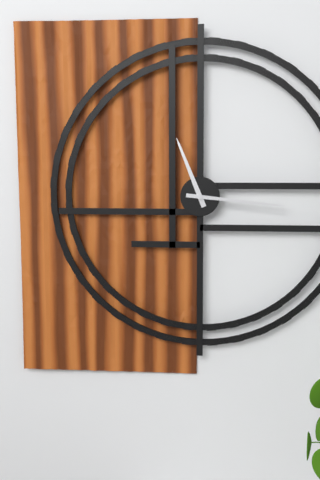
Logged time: 11.16
